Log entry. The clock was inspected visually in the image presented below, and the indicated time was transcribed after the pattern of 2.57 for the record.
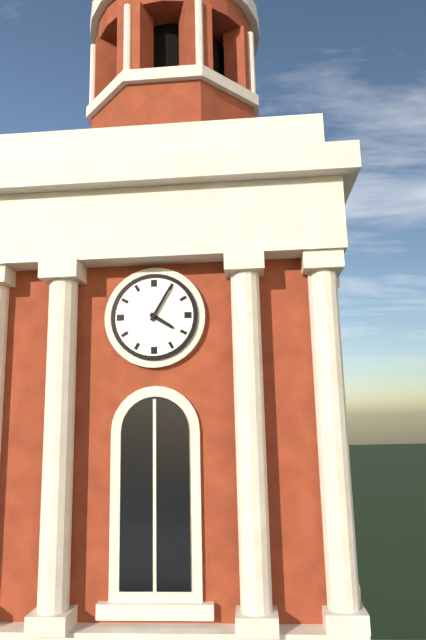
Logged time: 4.05
